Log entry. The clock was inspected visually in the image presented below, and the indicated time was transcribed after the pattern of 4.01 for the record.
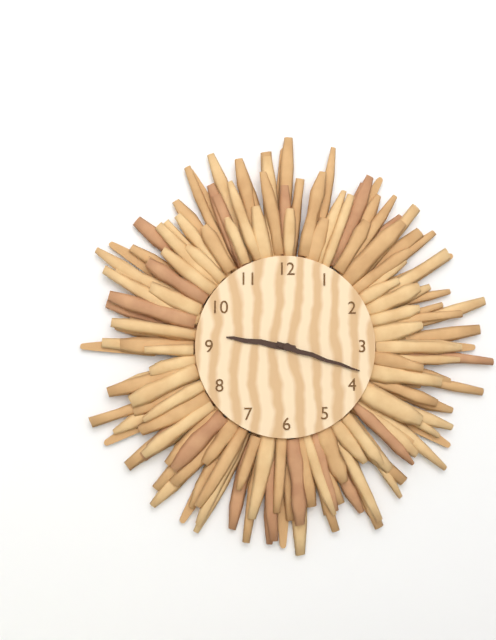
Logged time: 9.18
